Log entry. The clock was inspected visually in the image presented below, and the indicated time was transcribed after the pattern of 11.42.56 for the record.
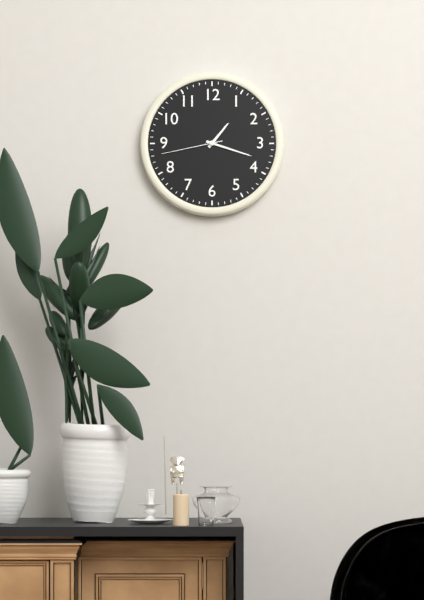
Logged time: 1.18.43
